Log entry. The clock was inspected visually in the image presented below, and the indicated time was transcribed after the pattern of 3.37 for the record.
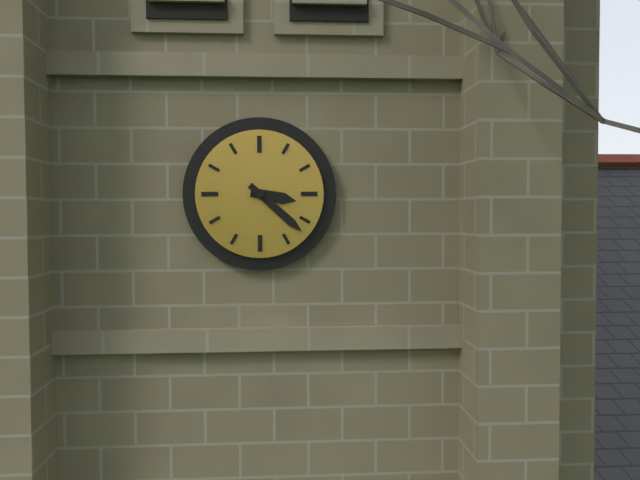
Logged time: 3.22
